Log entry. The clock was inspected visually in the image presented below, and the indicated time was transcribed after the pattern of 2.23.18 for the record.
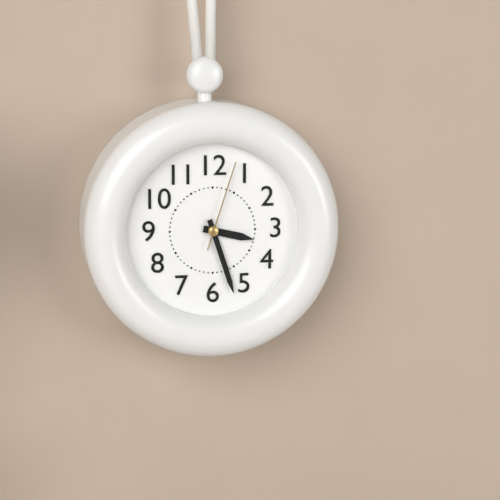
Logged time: 3.27.03
